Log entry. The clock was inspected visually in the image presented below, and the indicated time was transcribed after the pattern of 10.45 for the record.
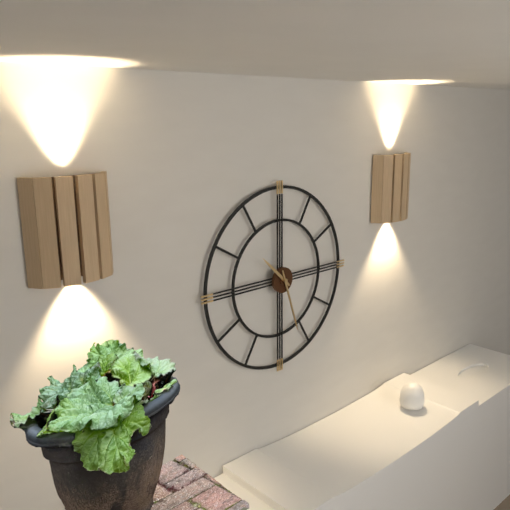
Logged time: 10.27
